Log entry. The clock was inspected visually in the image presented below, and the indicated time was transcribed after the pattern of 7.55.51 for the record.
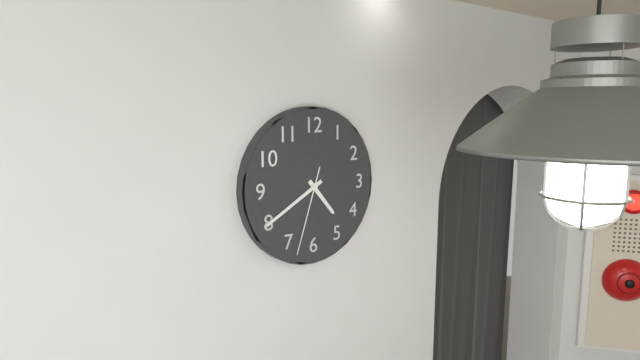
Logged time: 4.40.33
